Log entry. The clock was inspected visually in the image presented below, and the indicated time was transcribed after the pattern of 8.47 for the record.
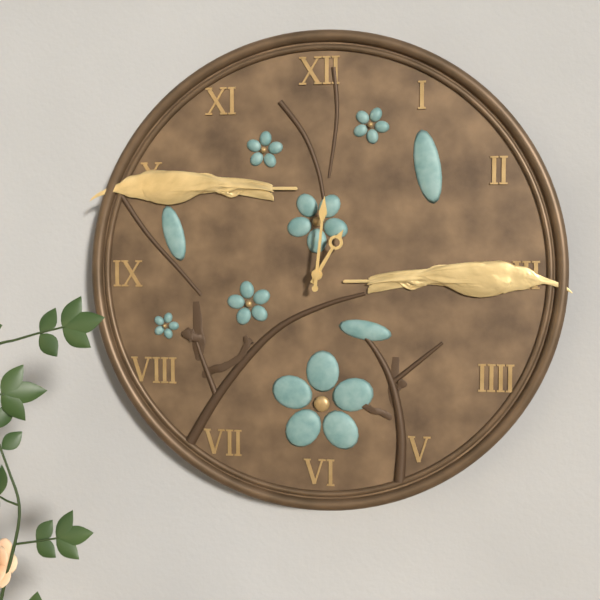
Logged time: 1.01
